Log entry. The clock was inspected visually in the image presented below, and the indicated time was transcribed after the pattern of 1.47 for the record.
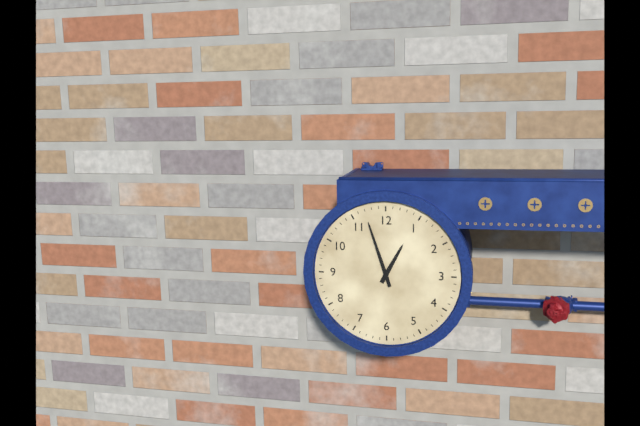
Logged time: 12.57
